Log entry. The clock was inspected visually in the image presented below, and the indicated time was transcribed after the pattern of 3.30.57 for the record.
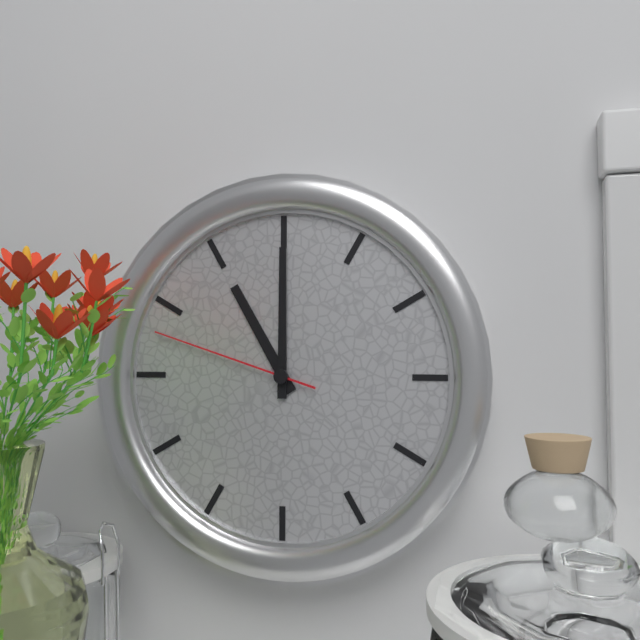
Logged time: 11.00.48
